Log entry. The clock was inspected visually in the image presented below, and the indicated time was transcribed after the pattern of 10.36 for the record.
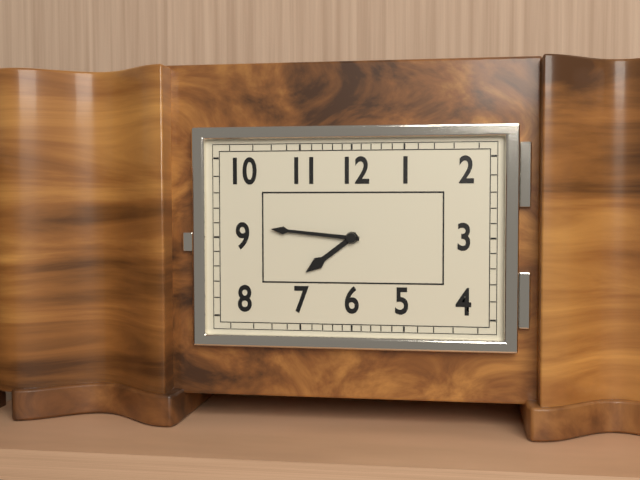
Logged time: 7.46
